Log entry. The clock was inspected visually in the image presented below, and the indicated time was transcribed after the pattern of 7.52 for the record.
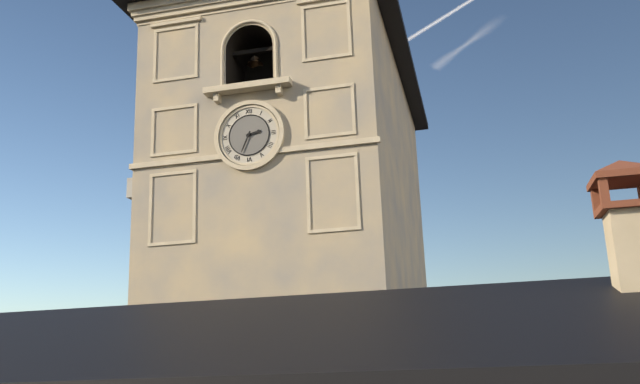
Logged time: 2.34
